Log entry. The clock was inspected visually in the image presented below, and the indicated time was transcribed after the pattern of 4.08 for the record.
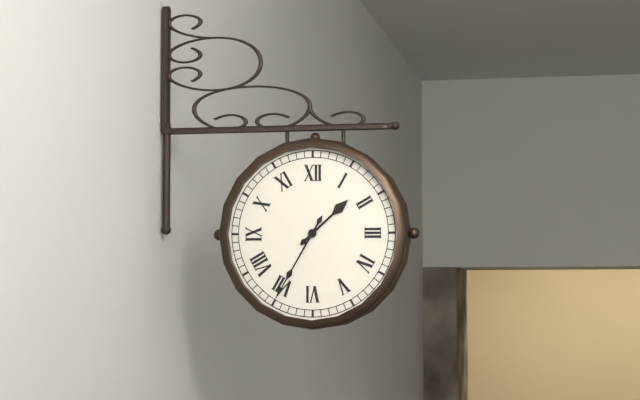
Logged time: 1.35
